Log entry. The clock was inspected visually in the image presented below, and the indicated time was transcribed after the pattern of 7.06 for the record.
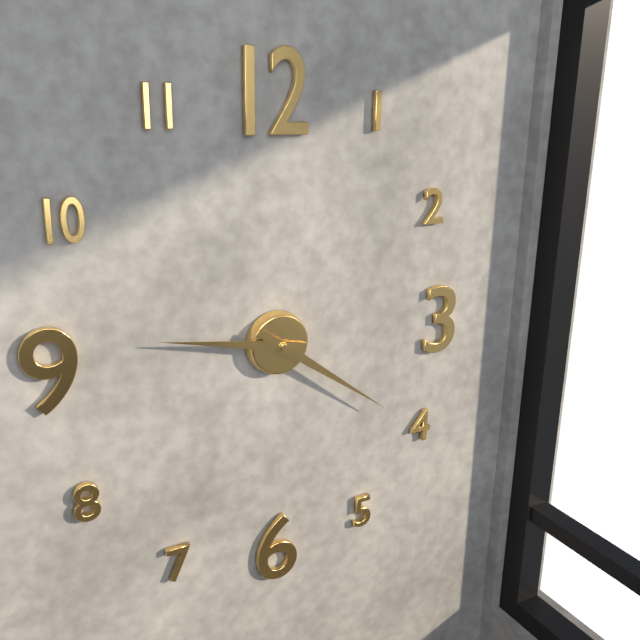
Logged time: 9.21
